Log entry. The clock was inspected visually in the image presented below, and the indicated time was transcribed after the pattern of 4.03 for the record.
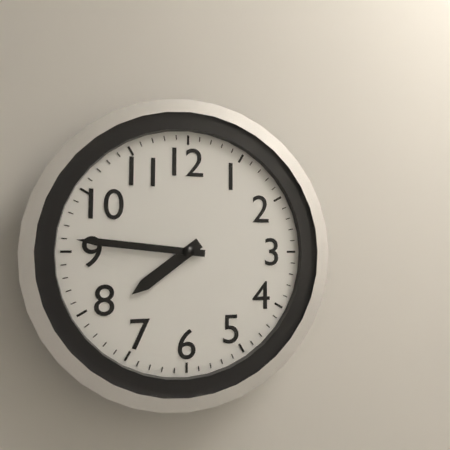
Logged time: 7.46
